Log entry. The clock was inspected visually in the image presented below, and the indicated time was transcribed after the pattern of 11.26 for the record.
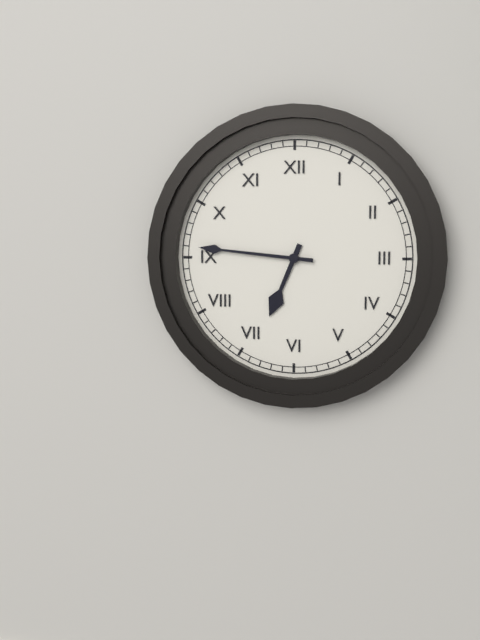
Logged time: 6.46
